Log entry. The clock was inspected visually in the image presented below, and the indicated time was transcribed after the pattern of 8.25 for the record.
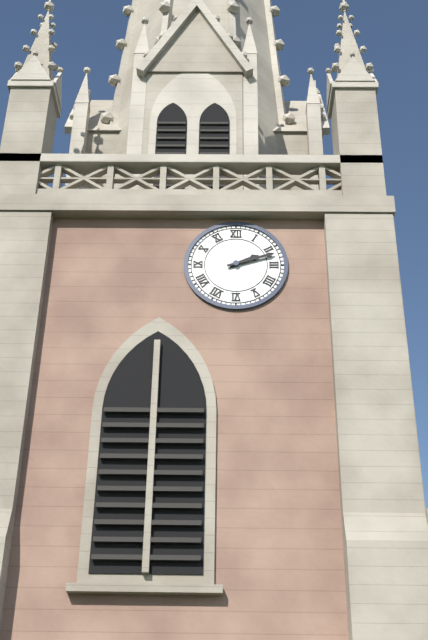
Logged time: 2.12
